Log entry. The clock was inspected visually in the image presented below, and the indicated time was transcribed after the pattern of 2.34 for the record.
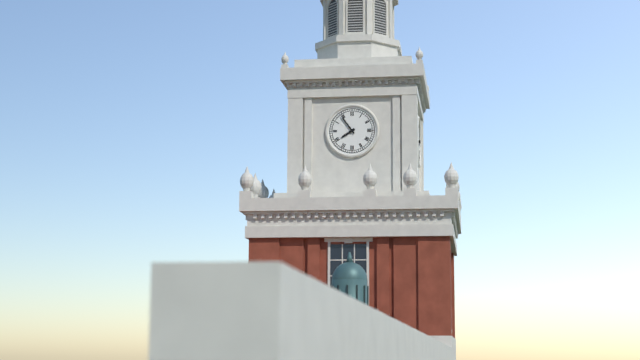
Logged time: 7.54
